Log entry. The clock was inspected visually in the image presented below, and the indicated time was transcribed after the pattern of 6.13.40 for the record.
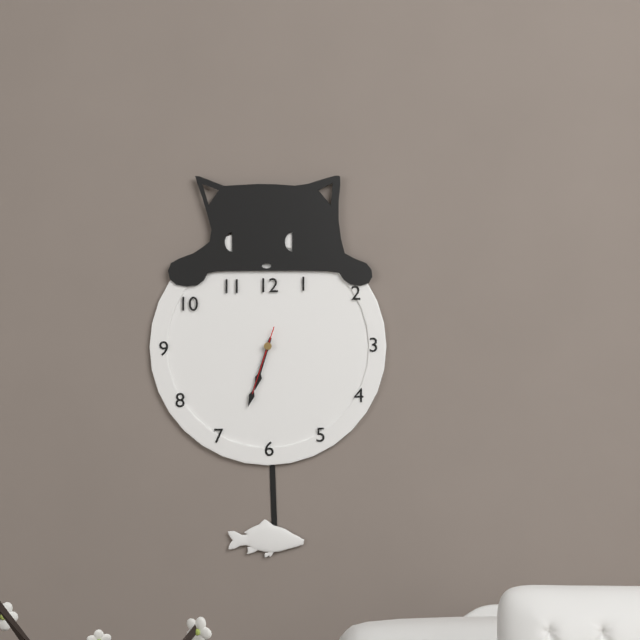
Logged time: 6.33.33
